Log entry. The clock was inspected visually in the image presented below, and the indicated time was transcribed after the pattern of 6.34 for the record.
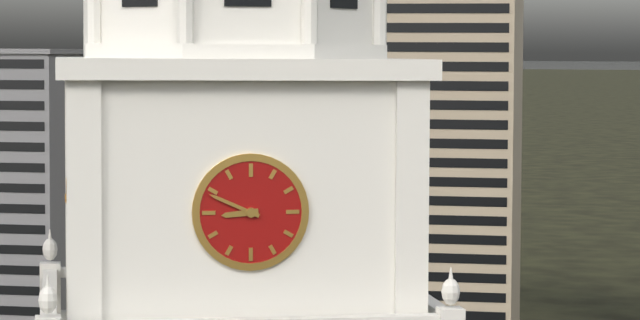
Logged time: 8.49
